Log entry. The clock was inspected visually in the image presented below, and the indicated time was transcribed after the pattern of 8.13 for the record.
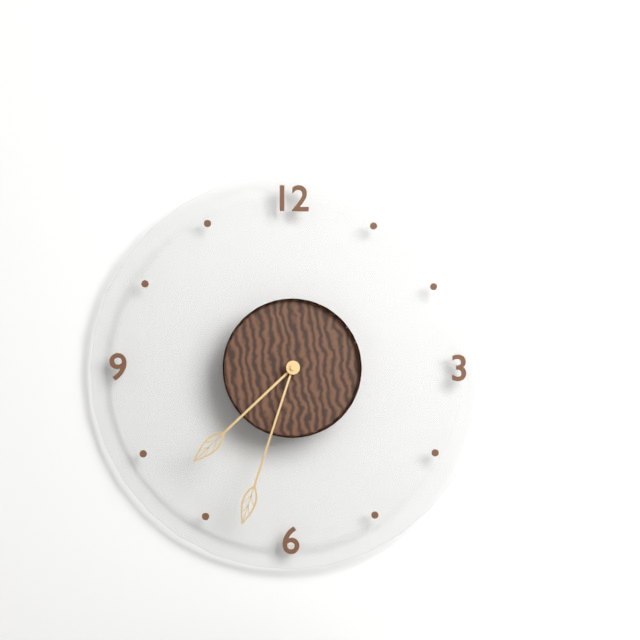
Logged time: 7.33
